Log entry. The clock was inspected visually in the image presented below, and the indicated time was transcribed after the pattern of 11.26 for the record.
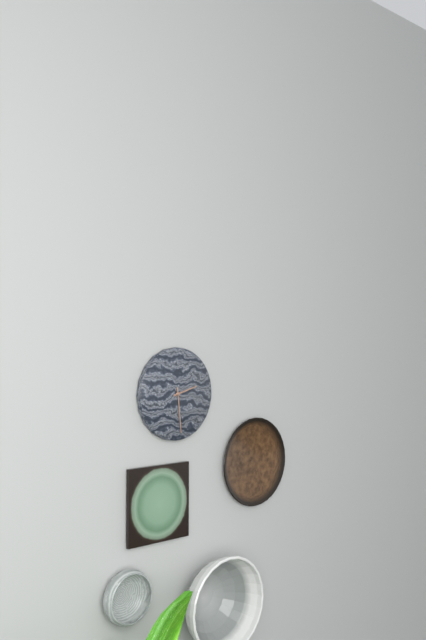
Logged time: 2.29
